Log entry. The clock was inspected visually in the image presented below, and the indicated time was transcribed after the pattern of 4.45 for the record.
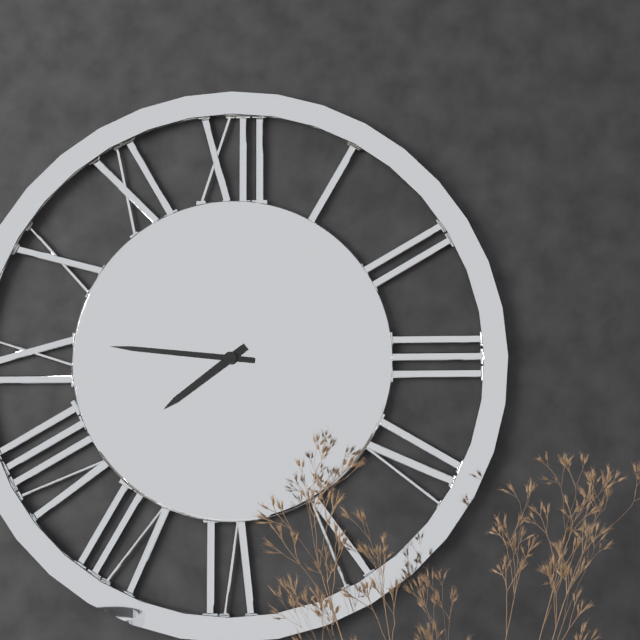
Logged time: 7.46
